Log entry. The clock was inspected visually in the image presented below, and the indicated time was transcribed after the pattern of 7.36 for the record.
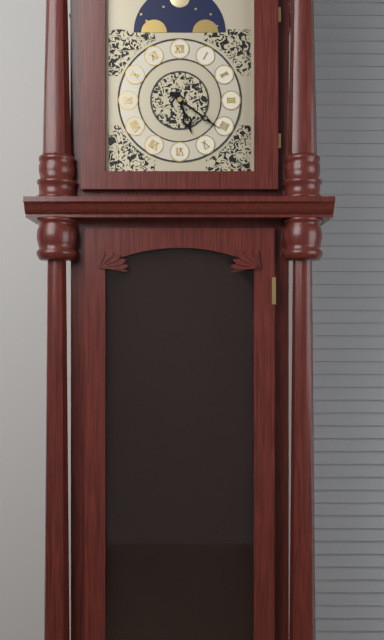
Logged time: 5.21
